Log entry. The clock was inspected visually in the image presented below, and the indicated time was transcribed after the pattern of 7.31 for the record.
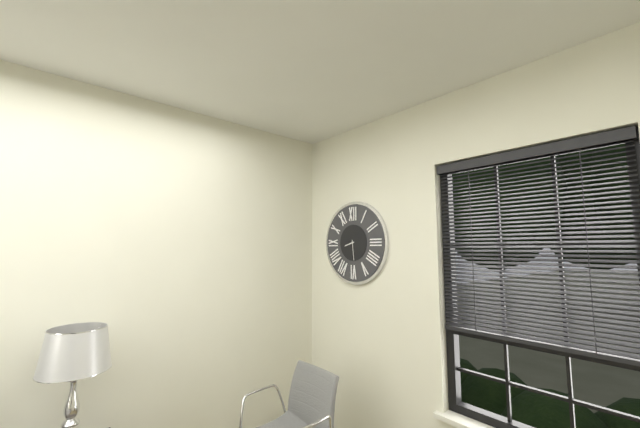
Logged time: 8.29
